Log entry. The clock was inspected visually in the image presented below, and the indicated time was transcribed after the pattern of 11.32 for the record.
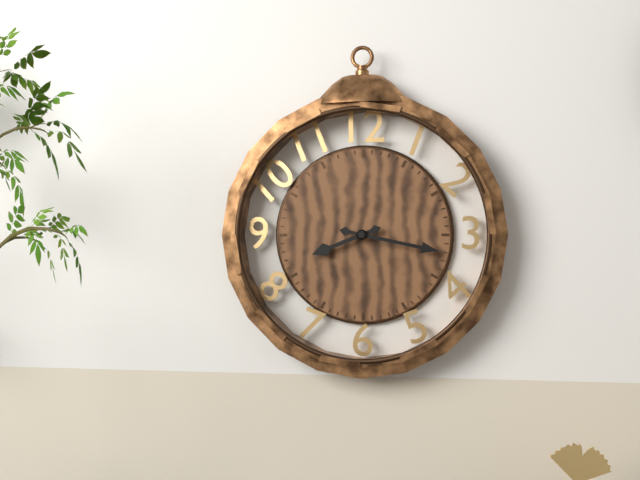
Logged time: 8.17
